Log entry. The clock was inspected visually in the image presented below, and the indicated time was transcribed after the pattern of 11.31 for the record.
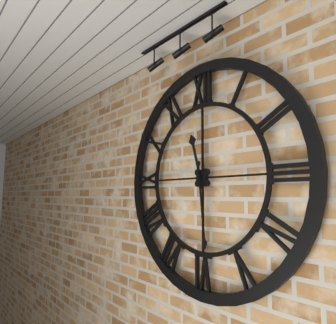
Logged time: 11.29
